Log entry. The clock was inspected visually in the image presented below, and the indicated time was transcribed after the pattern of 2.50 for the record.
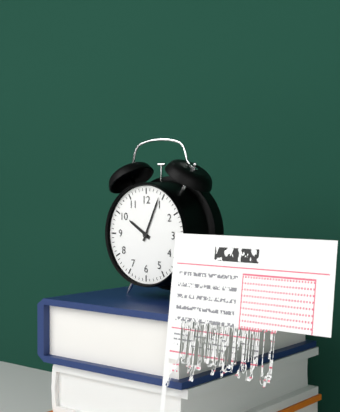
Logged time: 10.04
